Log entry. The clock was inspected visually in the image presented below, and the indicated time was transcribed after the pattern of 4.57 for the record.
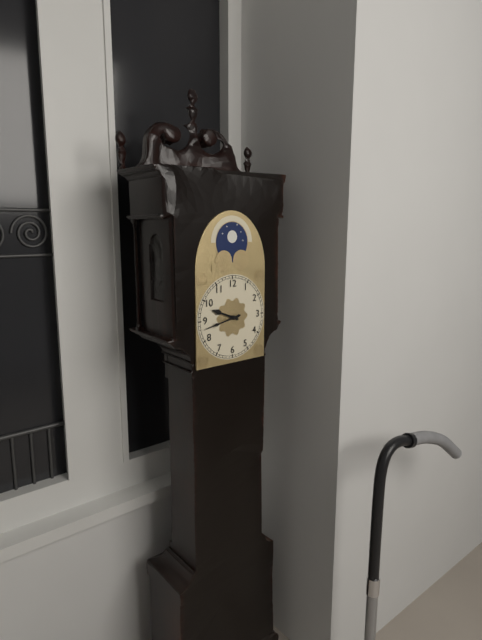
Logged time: 9.43
